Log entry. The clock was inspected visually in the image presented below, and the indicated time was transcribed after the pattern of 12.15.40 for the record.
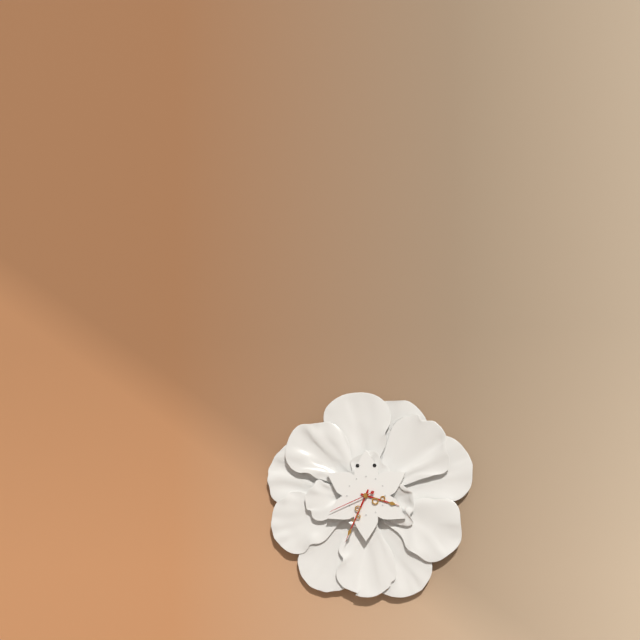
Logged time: 3.34.41
